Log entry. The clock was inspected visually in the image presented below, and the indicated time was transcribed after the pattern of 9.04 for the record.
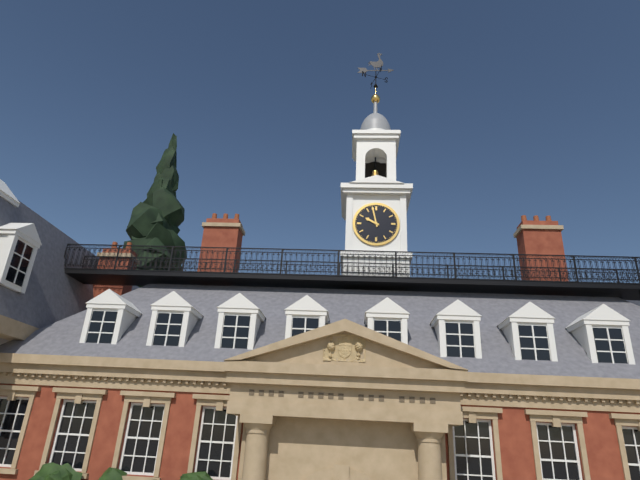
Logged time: 9.58
